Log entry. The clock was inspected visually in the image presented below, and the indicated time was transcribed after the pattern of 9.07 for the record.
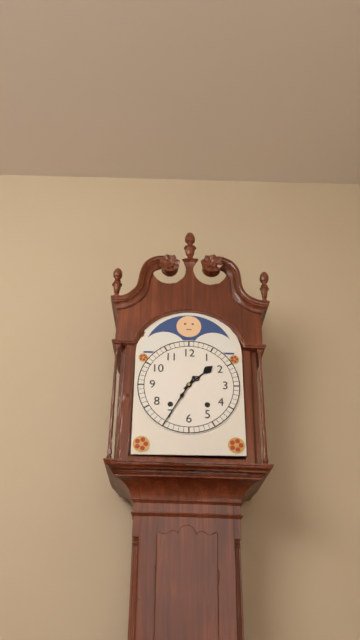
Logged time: 1.35
